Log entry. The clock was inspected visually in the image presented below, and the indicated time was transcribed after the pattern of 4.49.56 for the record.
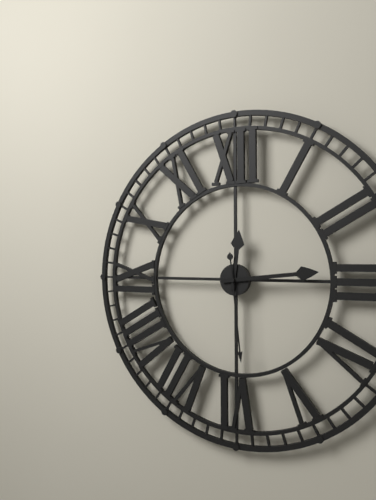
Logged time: 12.14.29
